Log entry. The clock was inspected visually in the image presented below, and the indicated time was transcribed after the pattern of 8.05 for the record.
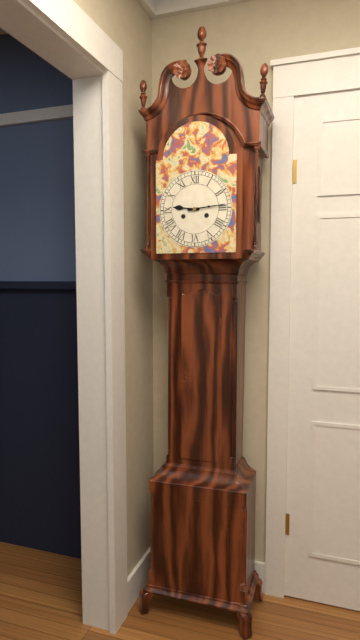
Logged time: 9.14
